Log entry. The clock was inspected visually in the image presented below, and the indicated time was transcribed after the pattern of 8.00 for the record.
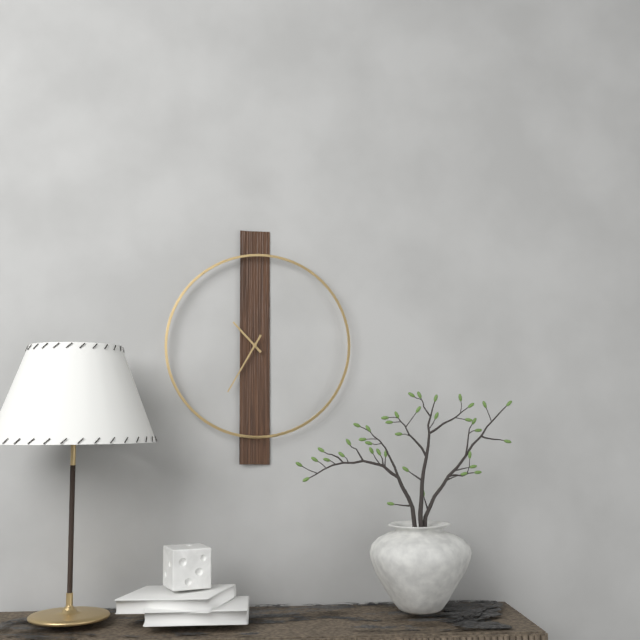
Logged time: 10.35
